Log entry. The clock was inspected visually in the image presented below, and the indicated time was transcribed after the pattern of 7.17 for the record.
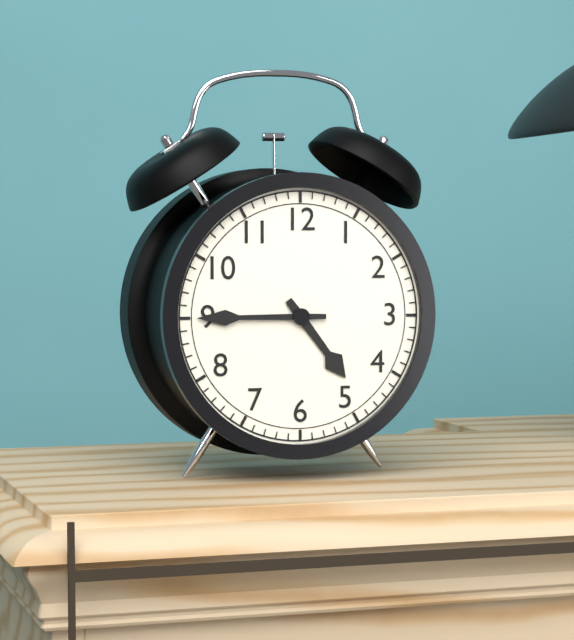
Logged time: 4.45
